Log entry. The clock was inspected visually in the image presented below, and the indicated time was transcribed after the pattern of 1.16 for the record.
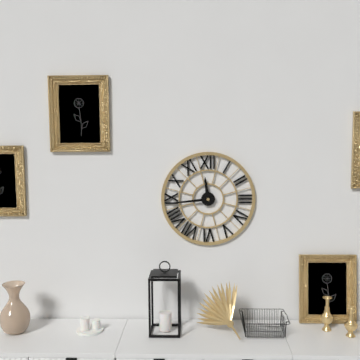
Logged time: 11.44
